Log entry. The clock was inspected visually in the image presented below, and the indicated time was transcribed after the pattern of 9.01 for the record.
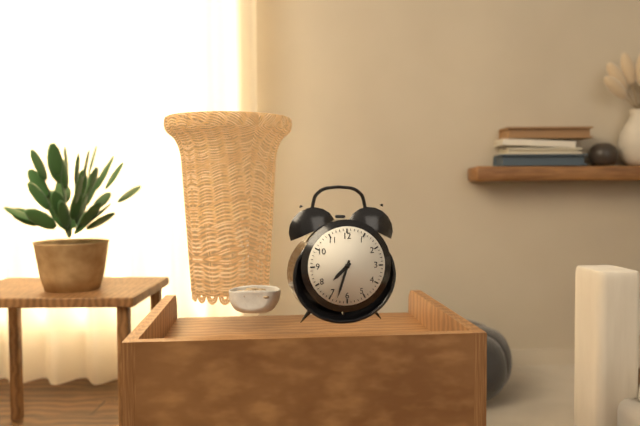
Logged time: 7.33
